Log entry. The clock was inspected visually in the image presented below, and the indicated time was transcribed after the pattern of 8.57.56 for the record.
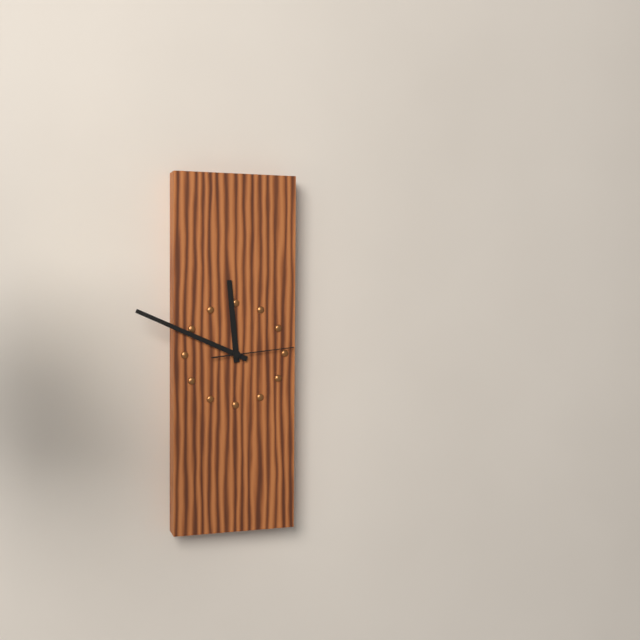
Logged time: 11.49.14
